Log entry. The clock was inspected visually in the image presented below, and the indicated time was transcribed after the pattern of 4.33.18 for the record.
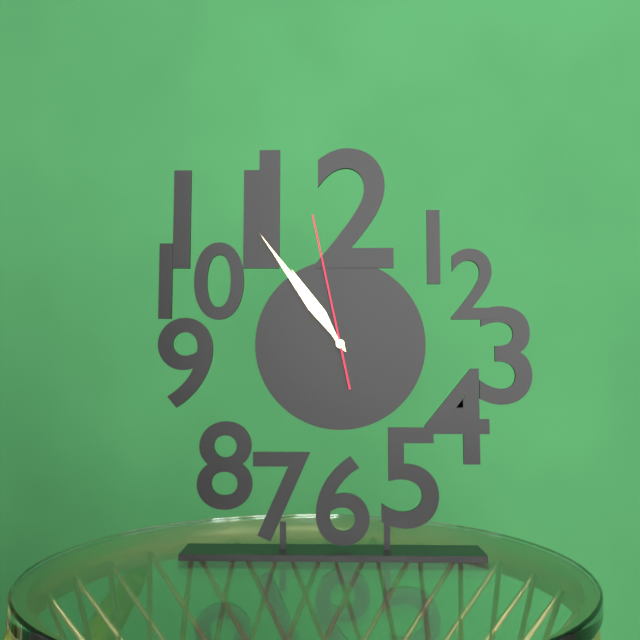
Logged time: 10.54.58
